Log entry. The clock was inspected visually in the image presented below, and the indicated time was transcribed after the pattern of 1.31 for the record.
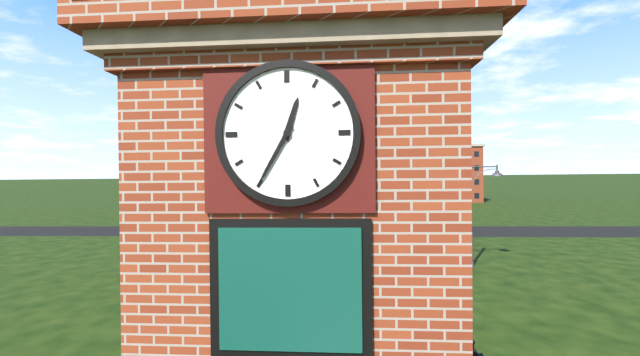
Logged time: 12.35
